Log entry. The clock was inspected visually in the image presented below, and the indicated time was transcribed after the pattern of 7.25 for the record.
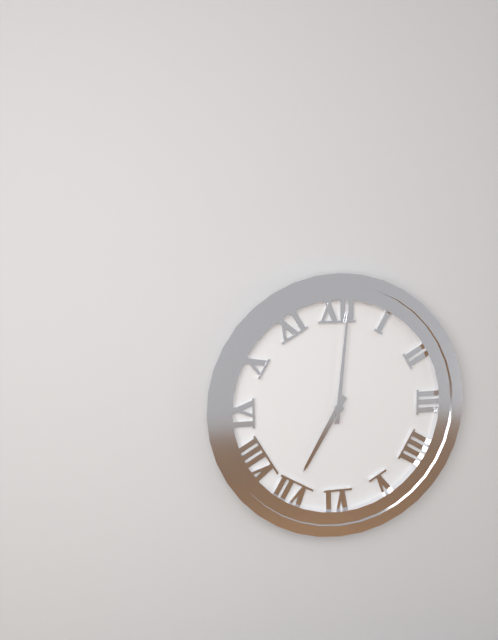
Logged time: 7.01
